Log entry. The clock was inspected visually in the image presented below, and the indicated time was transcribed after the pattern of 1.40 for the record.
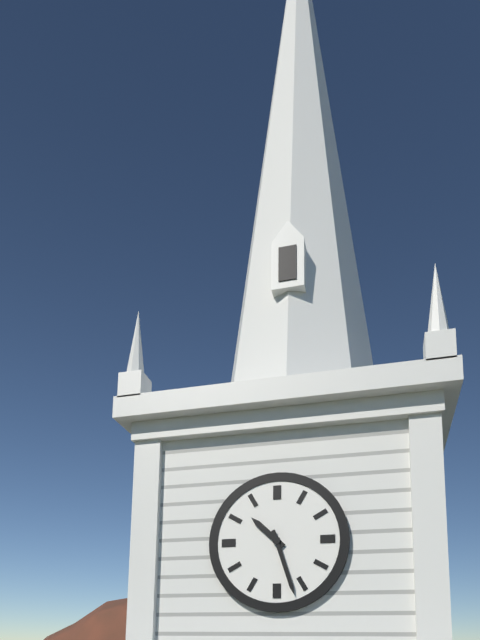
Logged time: 10.27
